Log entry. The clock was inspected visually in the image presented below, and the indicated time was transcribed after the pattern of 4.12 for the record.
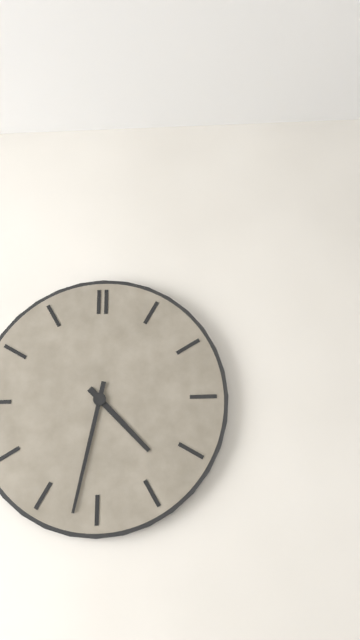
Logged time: 4.32
